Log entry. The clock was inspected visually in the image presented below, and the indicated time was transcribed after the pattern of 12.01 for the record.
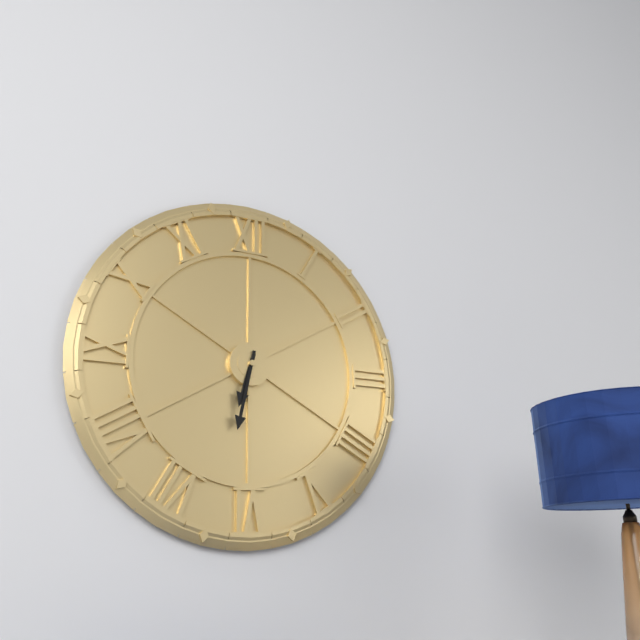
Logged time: 6.32
